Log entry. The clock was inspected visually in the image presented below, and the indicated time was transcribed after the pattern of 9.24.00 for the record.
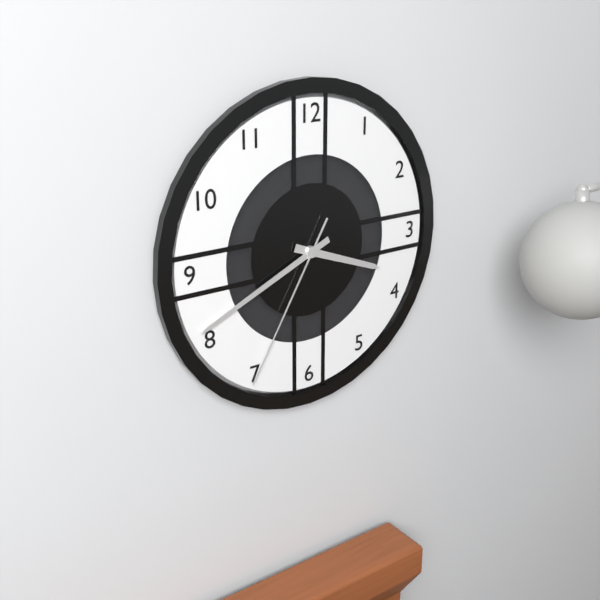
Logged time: 3.41.35
